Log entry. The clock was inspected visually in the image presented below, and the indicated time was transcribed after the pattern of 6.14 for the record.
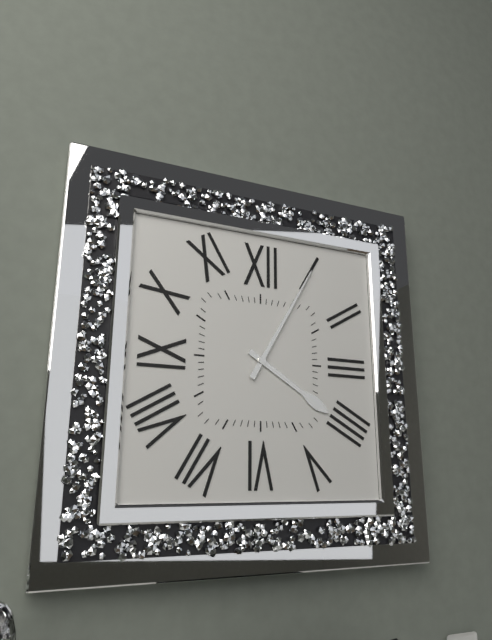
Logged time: 4.05
